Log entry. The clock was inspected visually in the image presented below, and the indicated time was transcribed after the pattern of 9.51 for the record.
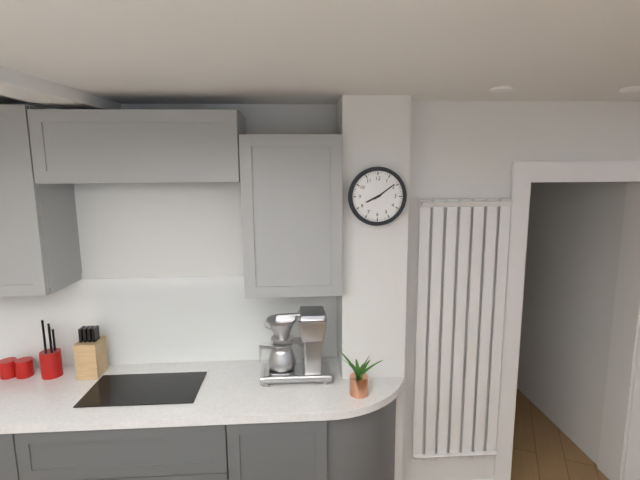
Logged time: 8.09
